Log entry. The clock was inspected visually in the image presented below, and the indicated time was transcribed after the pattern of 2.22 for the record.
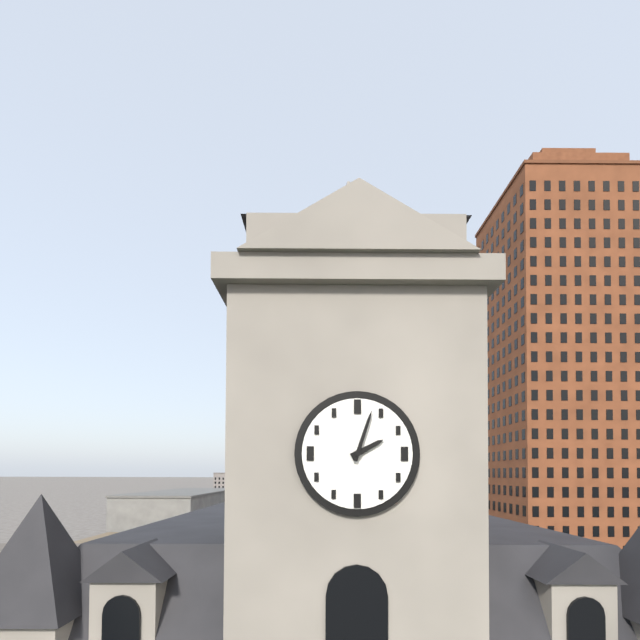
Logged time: 2.03
